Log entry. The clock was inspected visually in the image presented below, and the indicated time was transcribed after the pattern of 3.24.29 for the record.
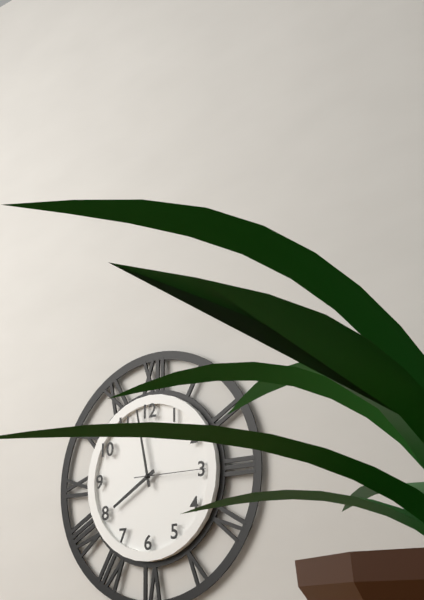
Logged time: 7.58.15
